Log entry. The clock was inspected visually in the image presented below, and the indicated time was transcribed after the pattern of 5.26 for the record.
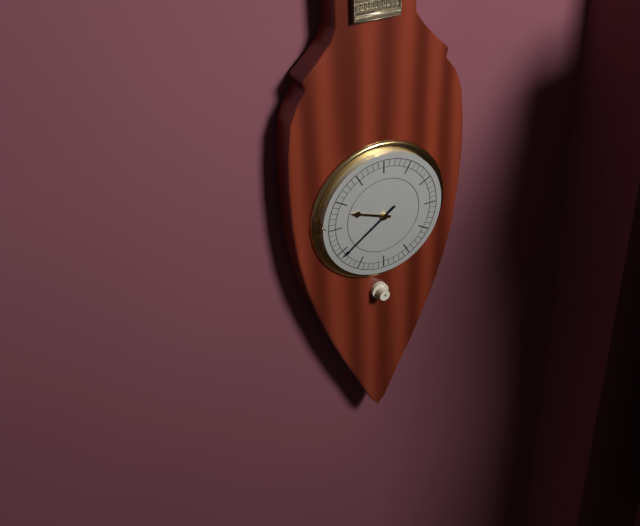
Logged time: 9.39
